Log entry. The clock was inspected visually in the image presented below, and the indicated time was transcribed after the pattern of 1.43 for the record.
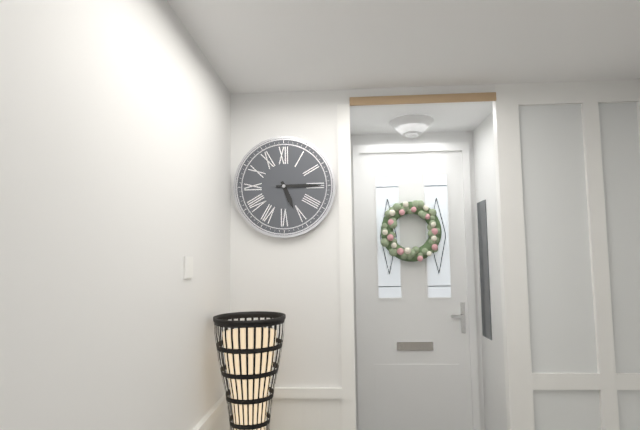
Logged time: 5.15
